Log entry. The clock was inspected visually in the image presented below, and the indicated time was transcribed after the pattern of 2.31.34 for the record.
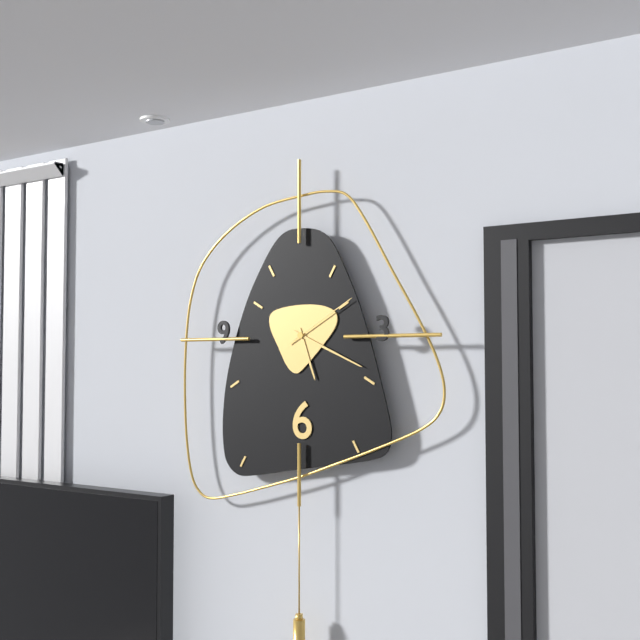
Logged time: 5.19.10
